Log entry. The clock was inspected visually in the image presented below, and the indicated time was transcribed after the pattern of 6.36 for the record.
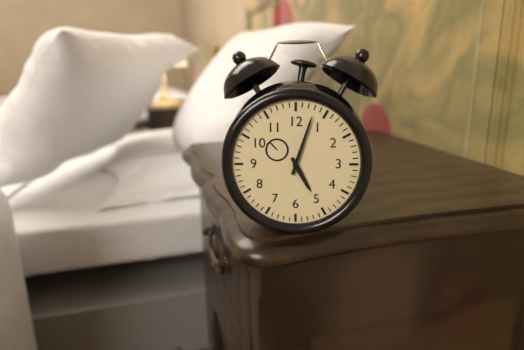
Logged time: 5.03
